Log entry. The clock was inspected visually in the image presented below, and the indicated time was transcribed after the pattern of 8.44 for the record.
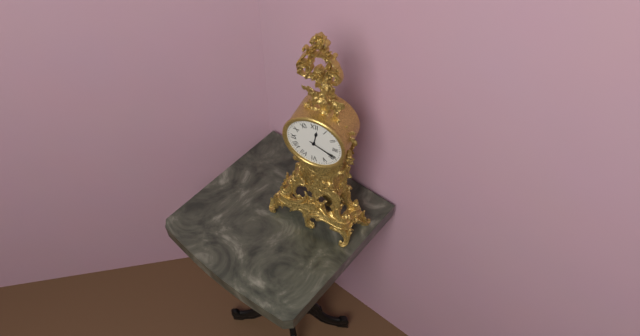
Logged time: 12.19
